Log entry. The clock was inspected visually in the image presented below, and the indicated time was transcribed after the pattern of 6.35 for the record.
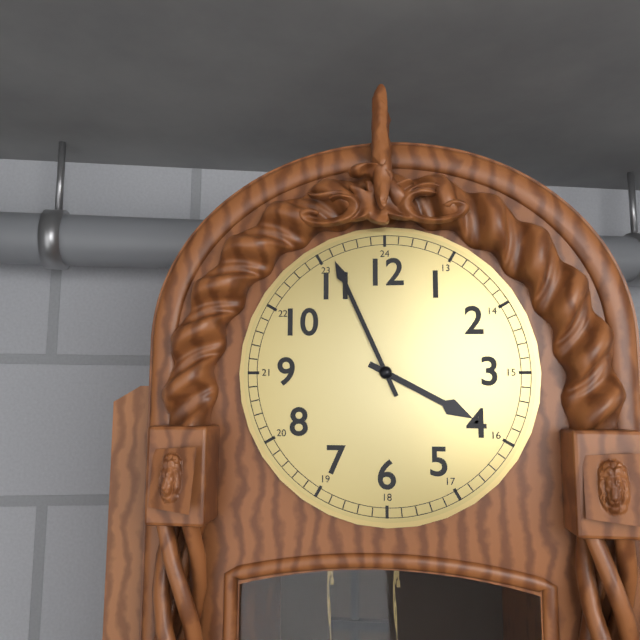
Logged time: 3.56
